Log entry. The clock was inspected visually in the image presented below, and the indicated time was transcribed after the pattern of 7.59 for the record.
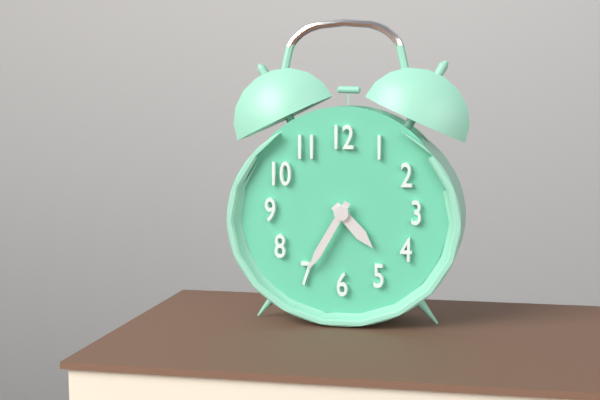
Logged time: 4.35
